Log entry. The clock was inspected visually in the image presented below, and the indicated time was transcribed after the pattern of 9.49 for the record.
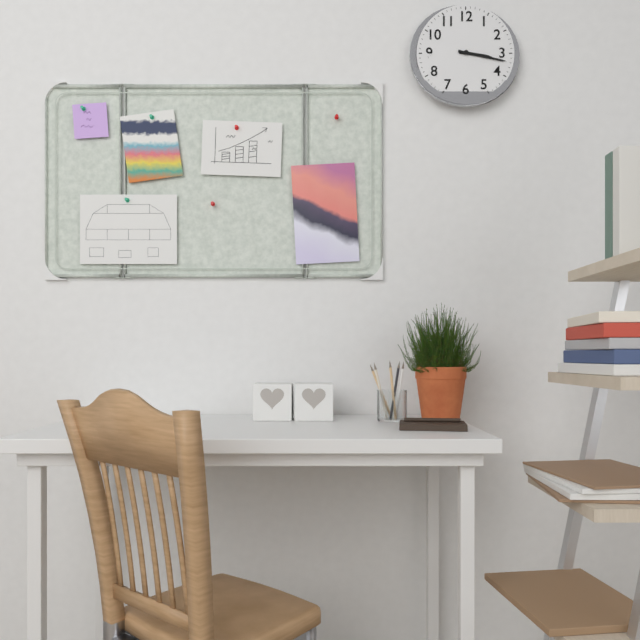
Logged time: 3.17
